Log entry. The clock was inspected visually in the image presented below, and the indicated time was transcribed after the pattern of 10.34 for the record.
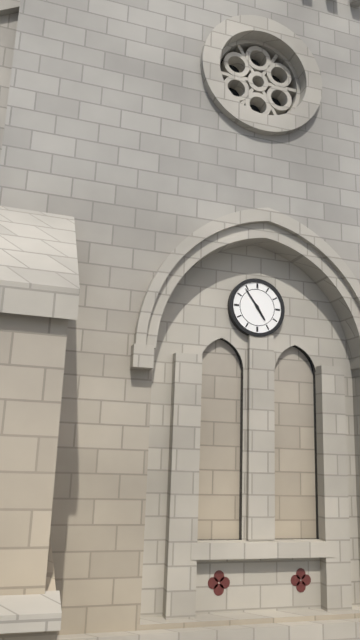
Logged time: 4.54
